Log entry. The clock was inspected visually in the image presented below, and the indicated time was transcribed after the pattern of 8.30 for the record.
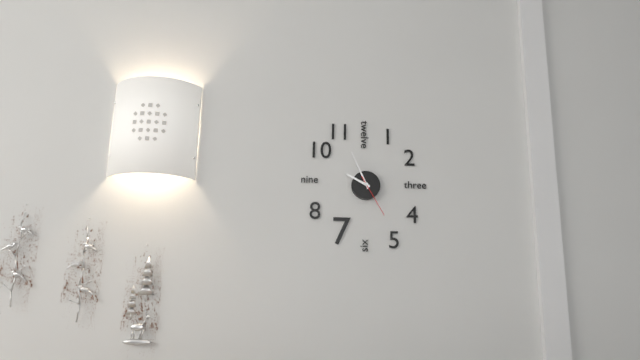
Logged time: 9.56
